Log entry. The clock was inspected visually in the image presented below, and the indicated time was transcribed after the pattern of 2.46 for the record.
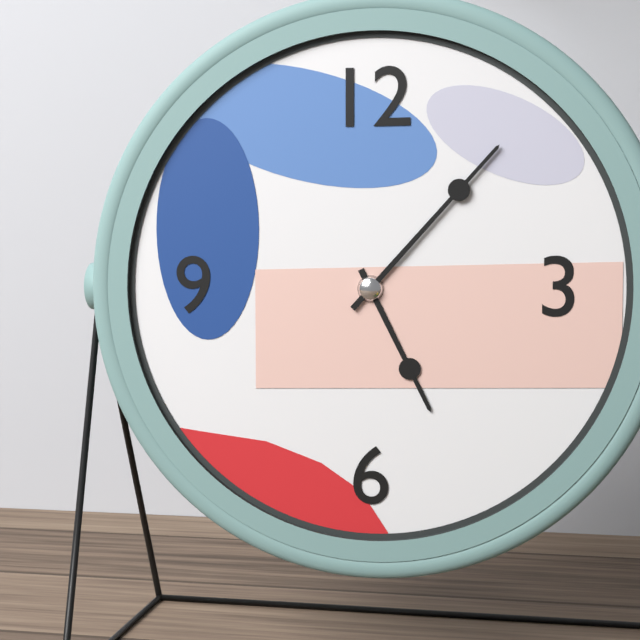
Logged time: 5.07
